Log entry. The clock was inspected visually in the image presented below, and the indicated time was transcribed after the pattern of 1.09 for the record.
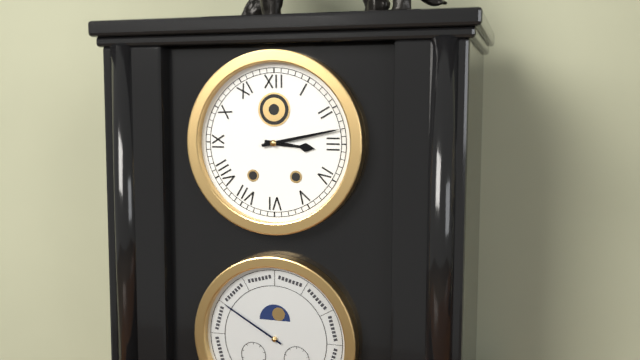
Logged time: 3.13
